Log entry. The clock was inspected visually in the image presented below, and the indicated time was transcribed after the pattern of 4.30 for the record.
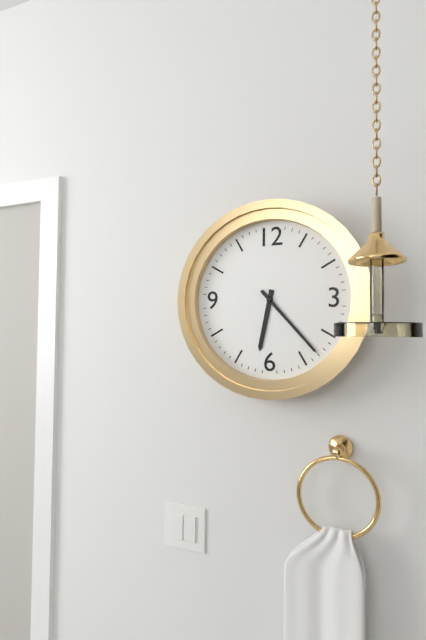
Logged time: 6.23
